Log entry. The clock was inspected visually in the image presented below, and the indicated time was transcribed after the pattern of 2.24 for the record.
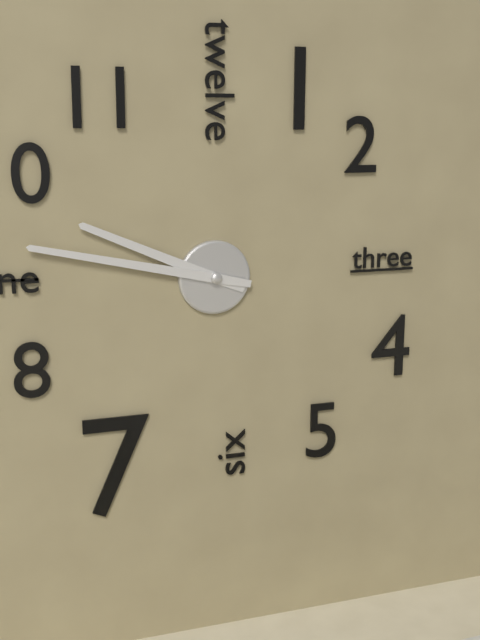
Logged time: 9.47
